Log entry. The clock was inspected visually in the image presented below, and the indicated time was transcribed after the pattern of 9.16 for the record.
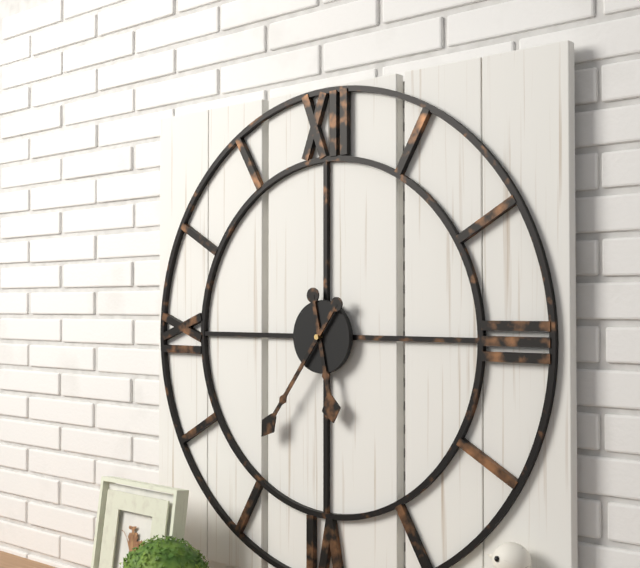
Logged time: 5.36
